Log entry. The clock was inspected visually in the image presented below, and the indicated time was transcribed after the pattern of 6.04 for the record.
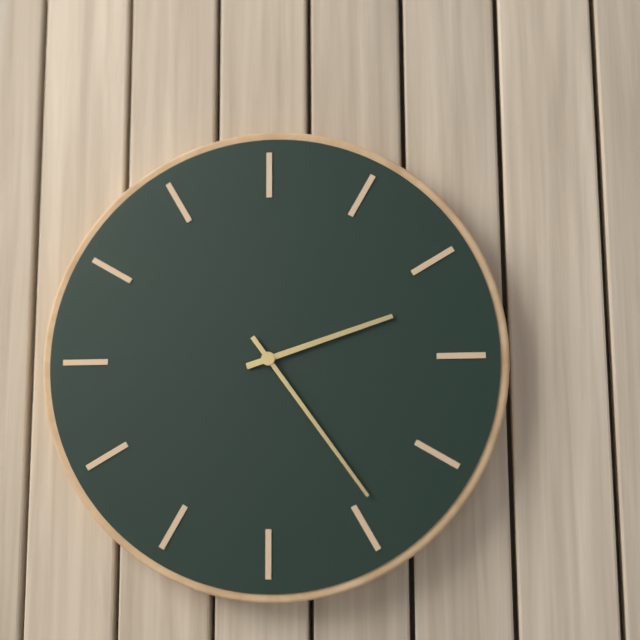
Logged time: 2.24
